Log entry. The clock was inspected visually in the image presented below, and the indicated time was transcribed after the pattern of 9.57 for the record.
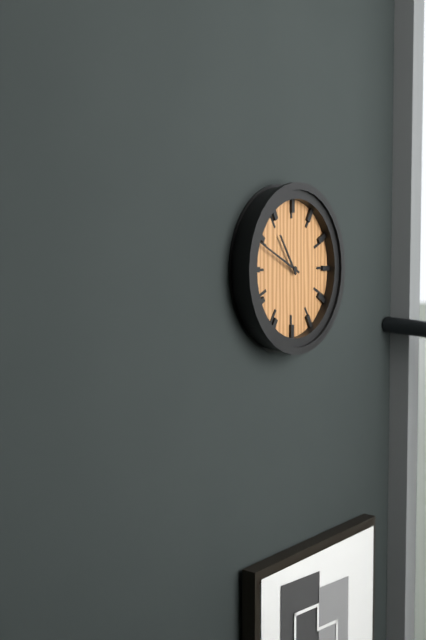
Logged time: 10.49
